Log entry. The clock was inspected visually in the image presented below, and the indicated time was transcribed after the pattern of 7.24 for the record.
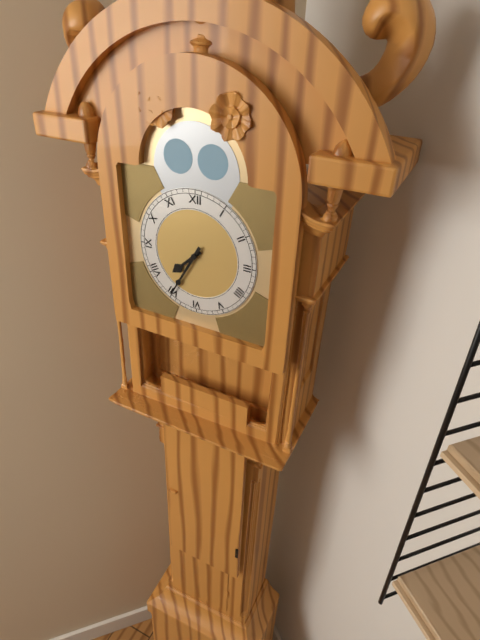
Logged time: 7.35
